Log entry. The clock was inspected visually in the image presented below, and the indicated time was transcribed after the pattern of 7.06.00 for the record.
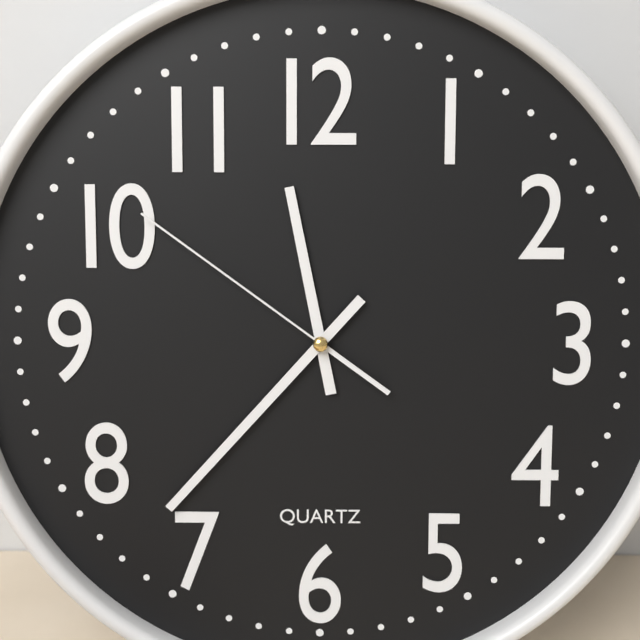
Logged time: 11.37.51
